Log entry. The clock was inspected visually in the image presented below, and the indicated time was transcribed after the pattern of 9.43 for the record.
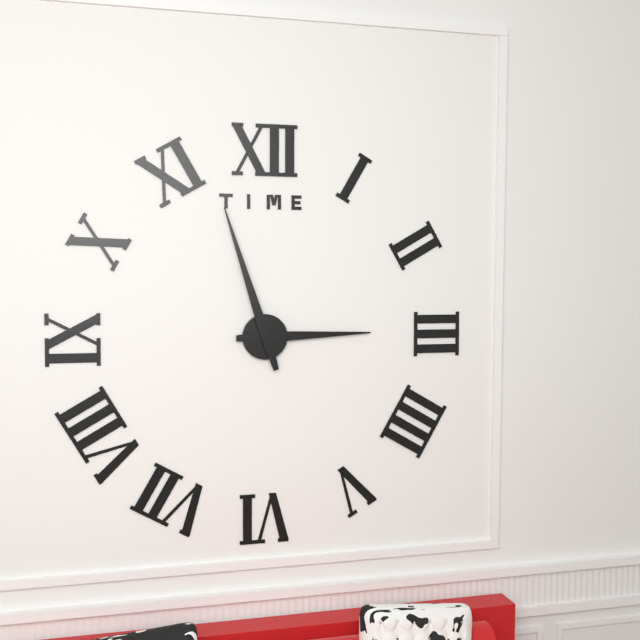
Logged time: 2.57
